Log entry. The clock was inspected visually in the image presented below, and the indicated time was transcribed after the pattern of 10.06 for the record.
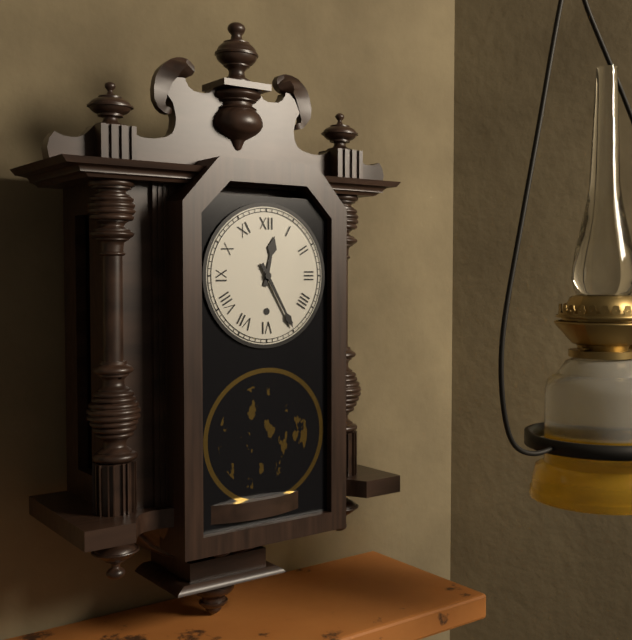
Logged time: 12.25
